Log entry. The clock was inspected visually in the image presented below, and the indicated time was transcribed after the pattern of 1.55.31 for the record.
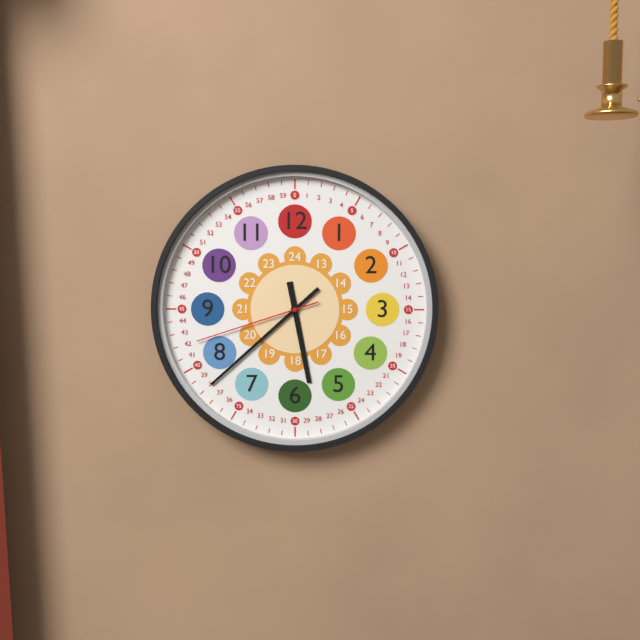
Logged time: 5.38.42
